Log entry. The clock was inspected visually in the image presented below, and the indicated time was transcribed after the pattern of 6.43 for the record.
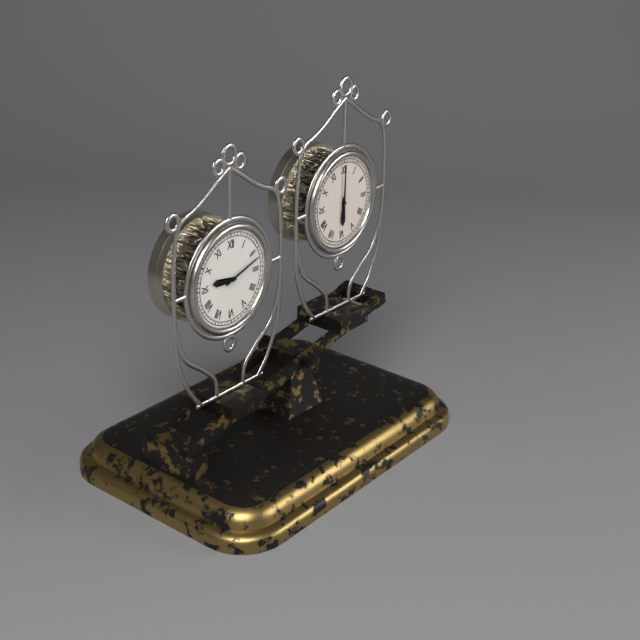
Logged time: 9.12
